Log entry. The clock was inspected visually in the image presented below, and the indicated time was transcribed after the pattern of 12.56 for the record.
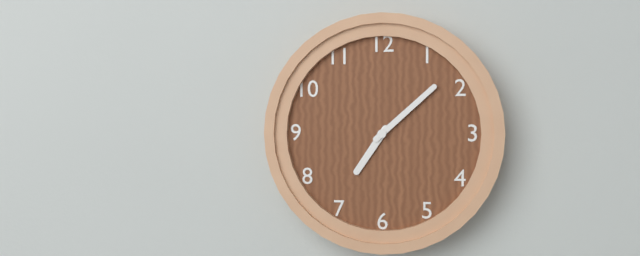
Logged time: 7.08
